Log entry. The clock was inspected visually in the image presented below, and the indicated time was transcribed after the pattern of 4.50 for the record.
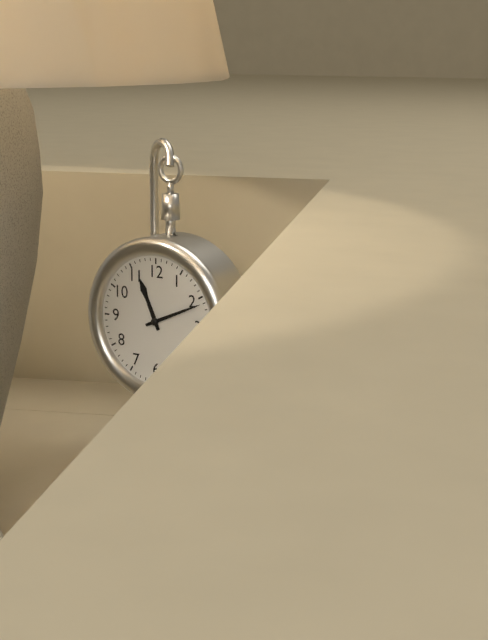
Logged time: 11.11
